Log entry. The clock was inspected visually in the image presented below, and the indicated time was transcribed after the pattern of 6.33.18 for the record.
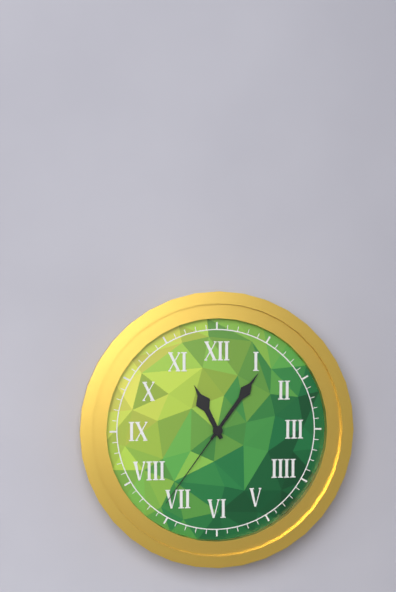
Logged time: 11.06.36
